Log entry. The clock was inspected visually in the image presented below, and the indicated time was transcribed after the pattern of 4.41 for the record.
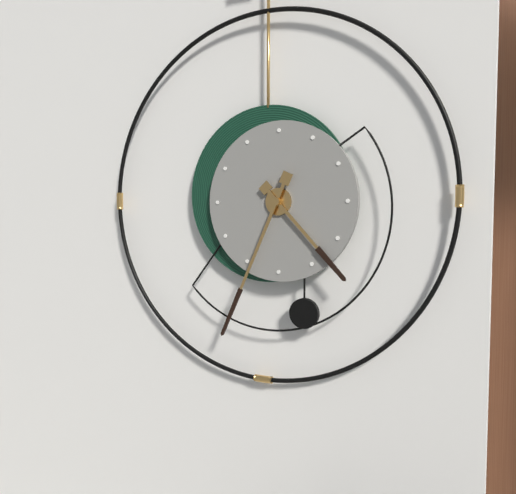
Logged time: 4.34
